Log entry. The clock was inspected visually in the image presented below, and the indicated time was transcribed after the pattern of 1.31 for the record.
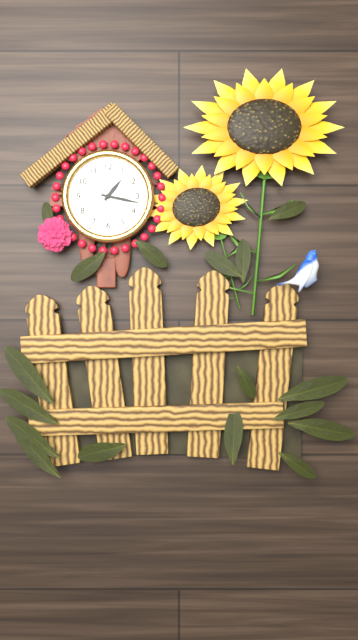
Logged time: 1.17
